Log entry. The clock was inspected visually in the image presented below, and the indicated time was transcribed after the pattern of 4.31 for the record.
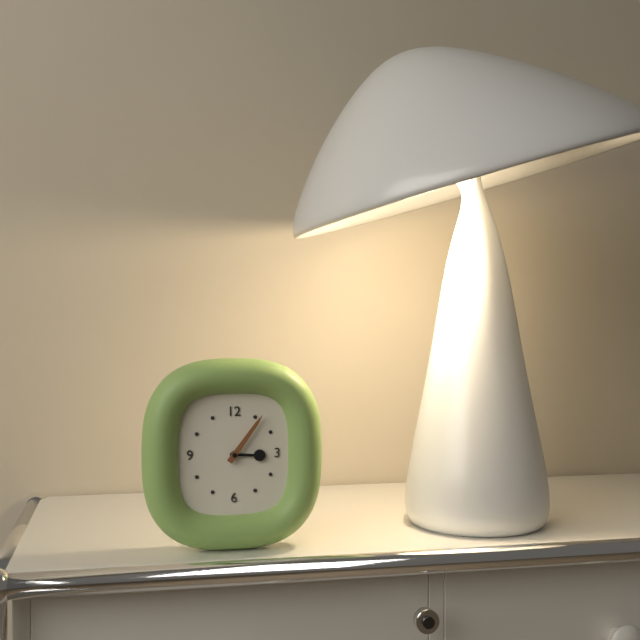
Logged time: 3.06
